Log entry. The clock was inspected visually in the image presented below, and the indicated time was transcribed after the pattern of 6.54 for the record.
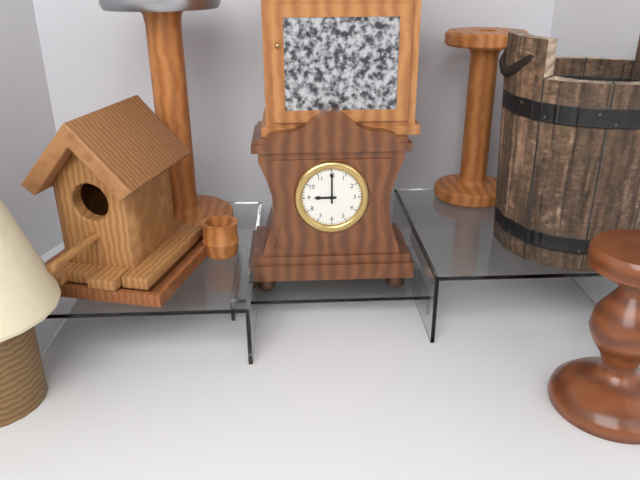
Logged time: 9.00
